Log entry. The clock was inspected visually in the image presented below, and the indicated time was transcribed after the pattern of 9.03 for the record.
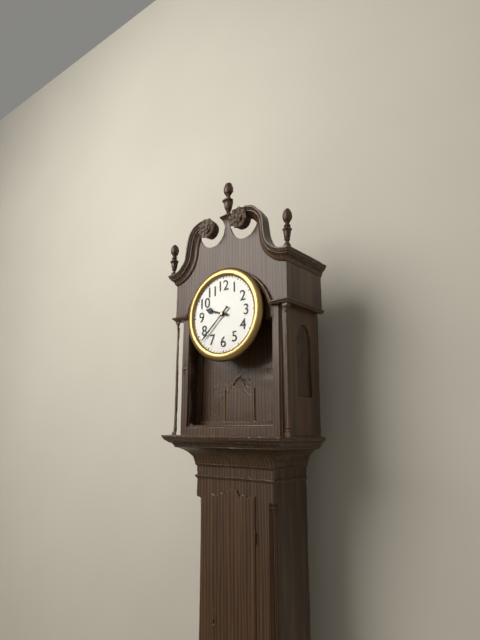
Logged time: 9.38
